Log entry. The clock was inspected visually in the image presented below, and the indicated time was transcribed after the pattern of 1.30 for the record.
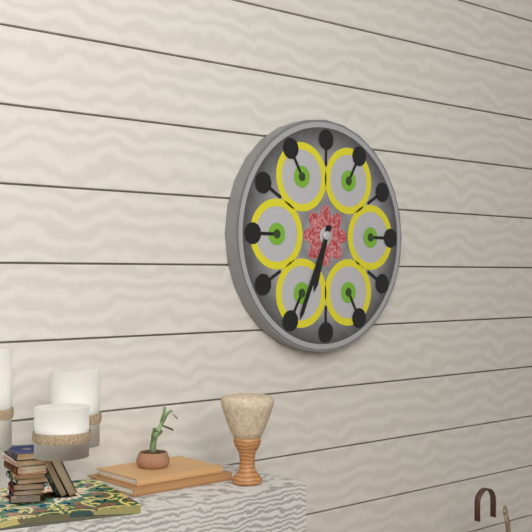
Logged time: 6.34
